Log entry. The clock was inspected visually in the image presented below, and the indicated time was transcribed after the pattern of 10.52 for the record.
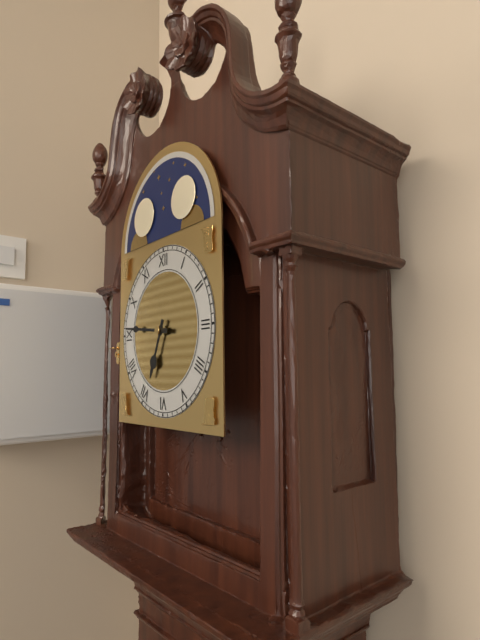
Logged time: 6.46
